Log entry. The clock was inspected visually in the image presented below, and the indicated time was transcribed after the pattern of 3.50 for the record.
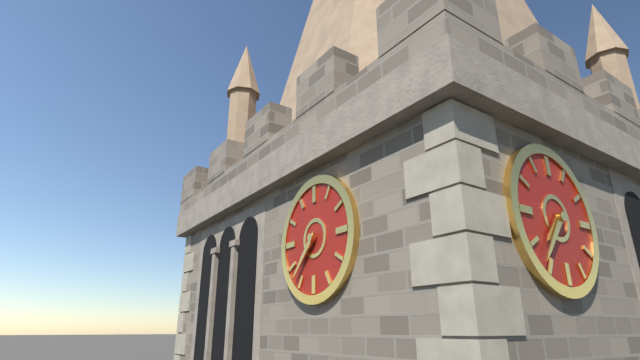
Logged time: 7.37
